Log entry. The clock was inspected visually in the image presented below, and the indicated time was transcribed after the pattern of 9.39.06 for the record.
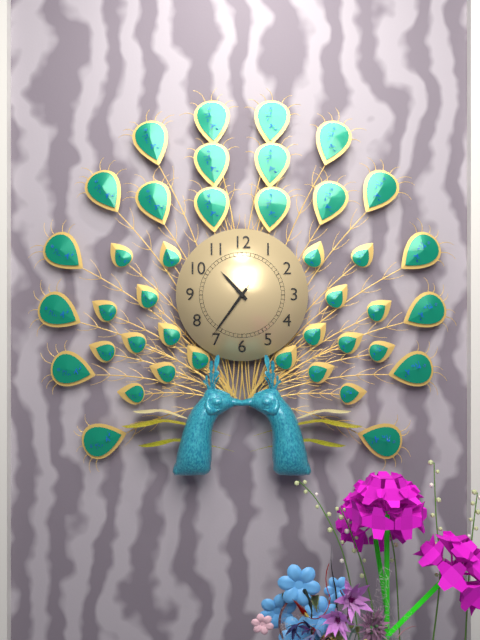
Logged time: 10.36.36
